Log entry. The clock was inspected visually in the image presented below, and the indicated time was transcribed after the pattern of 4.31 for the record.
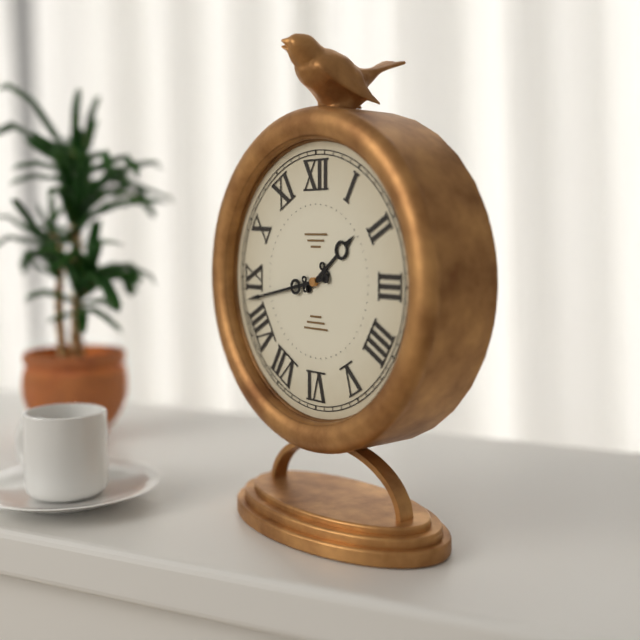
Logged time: 1.43
